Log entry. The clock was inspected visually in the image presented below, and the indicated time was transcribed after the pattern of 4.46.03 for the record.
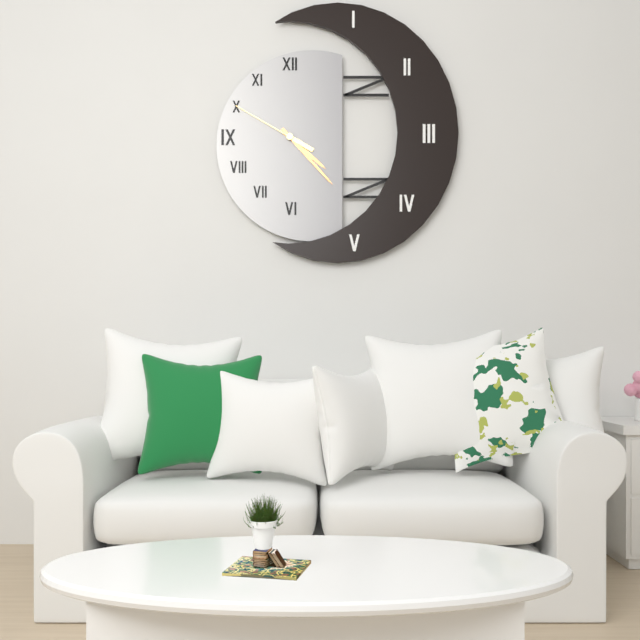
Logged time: 4.23.50
